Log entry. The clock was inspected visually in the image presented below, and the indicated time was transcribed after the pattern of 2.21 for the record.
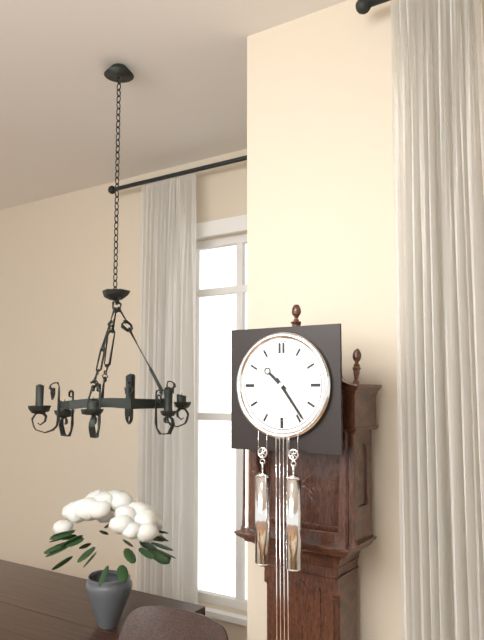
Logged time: 10.24
